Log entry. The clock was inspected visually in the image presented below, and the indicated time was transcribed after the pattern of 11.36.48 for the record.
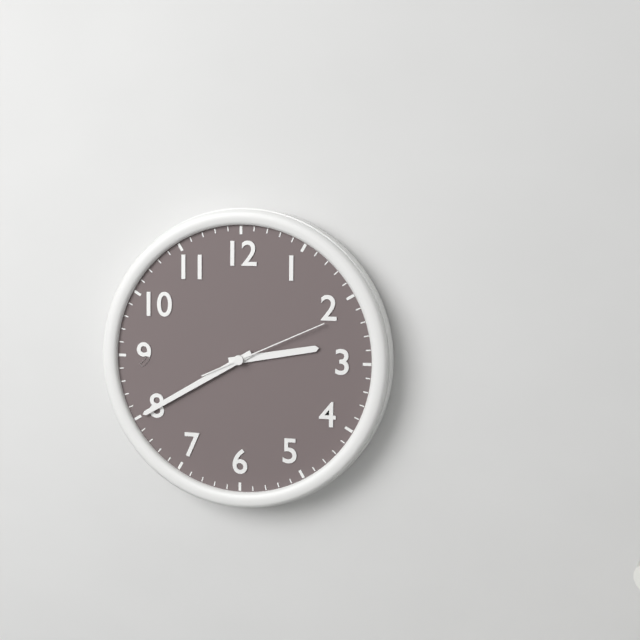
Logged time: 2.40.11
